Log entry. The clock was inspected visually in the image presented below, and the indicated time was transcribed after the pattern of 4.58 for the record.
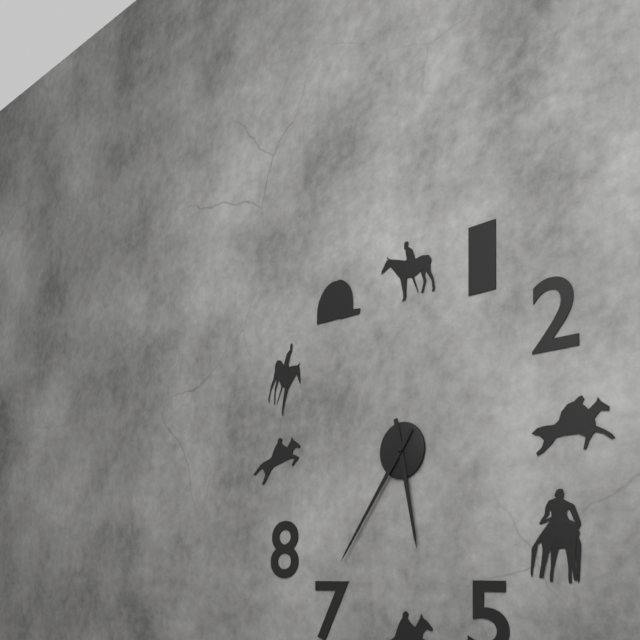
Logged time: 5.36
